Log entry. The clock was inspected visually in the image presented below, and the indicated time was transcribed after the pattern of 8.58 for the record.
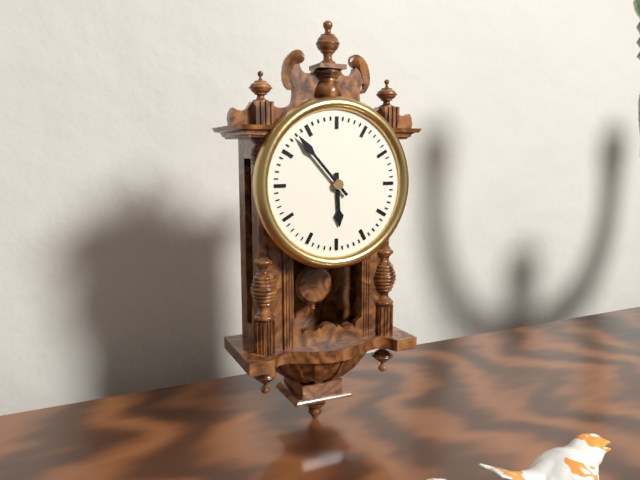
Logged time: 5.53
